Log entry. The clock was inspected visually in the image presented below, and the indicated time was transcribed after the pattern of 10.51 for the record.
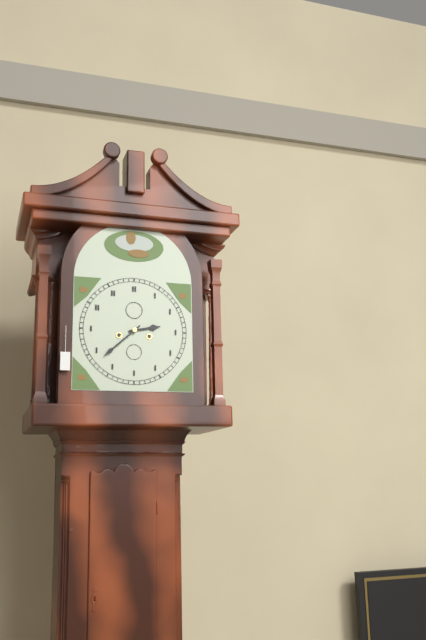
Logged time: 2.38
